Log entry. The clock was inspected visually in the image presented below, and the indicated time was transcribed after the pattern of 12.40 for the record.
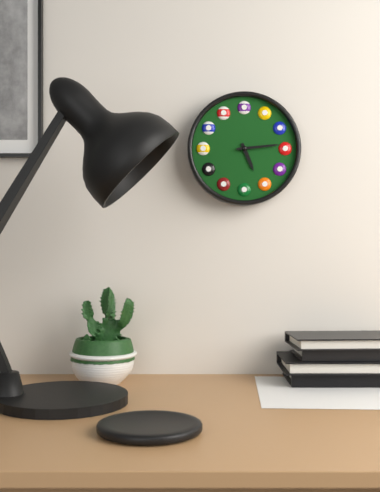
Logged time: 5.14
